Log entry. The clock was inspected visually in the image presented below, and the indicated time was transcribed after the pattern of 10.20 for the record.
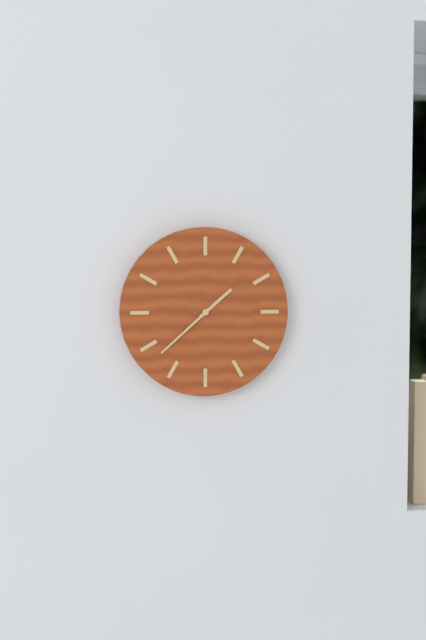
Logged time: 1.38
